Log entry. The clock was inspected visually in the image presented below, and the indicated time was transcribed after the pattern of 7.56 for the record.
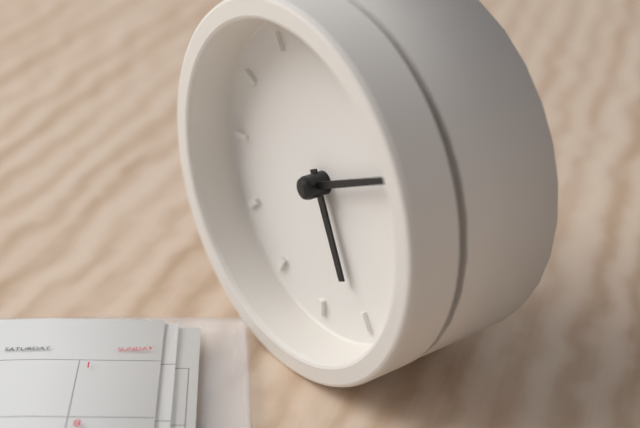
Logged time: 5.11
